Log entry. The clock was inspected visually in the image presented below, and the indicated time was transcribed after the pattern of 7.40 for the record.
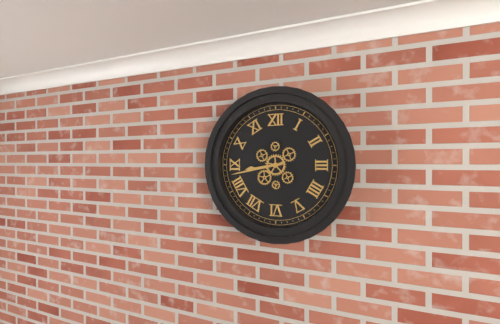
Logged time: 8.43
